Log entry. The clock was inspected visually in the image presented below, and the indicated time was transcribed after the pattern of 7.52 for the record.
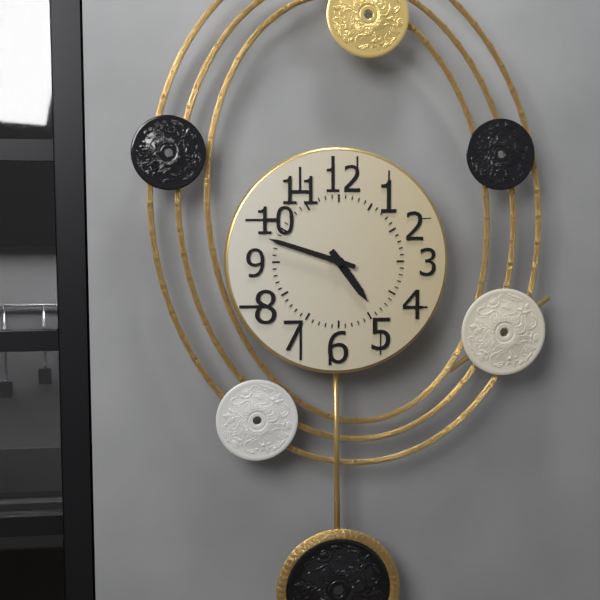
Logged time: 4.48
